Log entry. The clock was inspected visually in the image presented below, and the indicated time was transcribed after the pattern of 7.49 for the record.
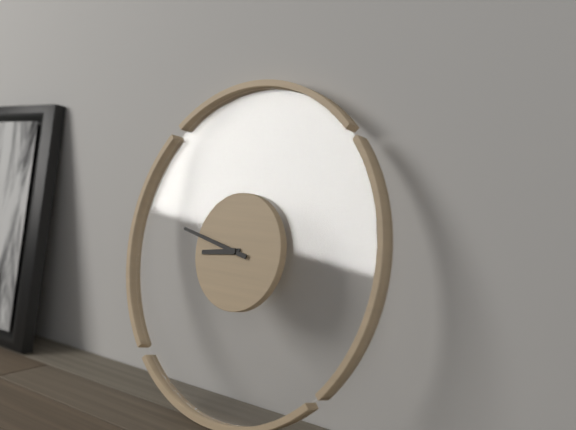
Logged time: 8.47
